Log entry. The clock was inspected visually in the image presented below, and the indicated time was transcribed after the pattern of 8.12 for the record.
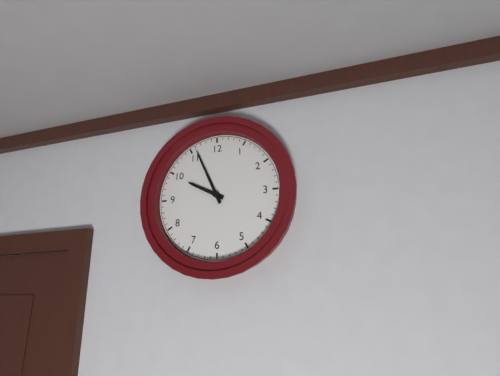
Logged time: 9.56
